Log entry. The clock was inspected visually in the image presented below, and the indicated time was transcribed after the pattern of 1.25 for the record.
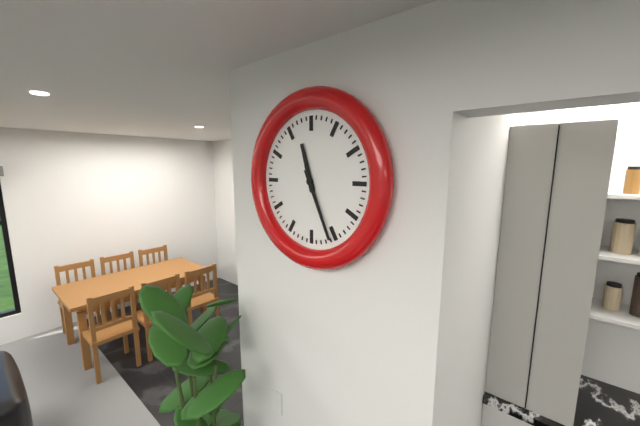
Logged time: 11.26
